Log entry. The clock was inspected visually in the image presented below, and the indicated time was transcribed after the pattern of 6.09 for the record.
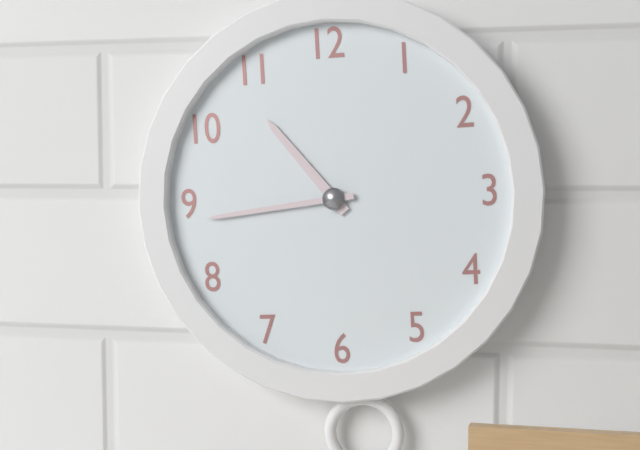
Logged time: 10.44
